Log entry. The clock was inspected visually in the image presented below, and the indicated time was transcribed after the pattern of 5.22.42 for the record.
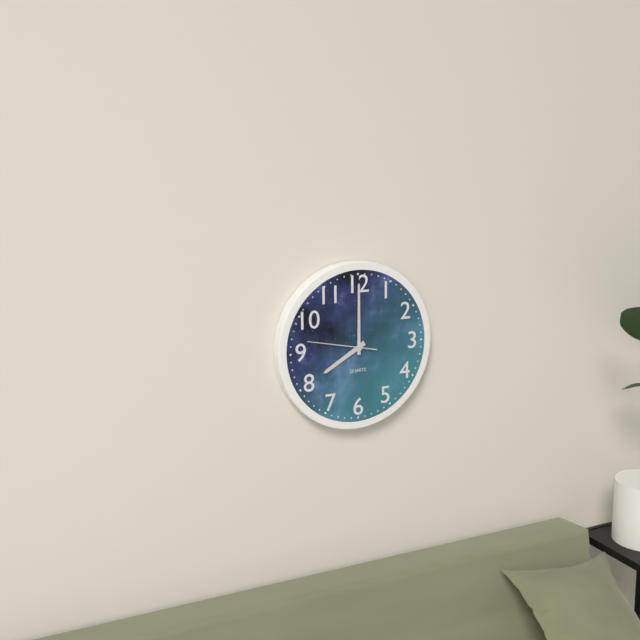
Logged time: 8.00.47
